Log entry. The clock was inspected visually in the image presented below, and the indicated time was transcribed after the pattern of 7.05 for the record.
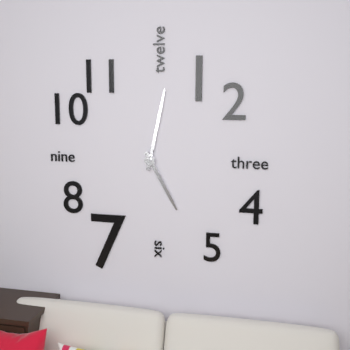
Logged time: 5.02
